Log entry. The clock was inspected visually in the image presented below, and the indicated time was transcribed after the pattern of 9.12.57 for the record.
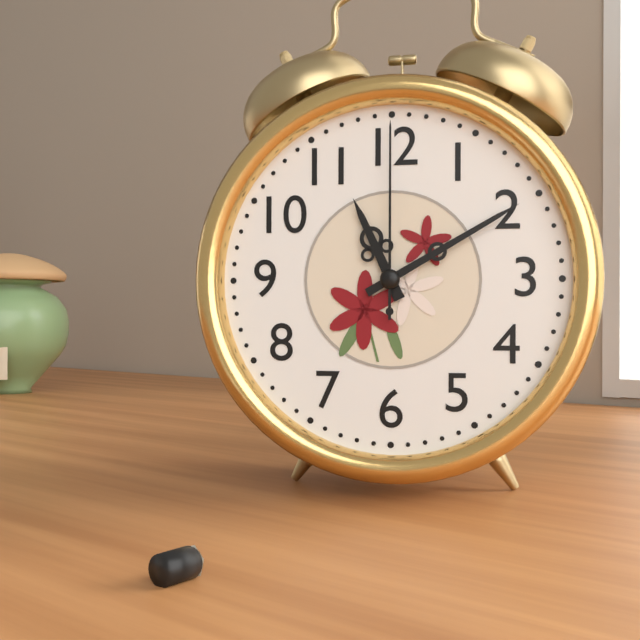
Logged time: 11.10.00
